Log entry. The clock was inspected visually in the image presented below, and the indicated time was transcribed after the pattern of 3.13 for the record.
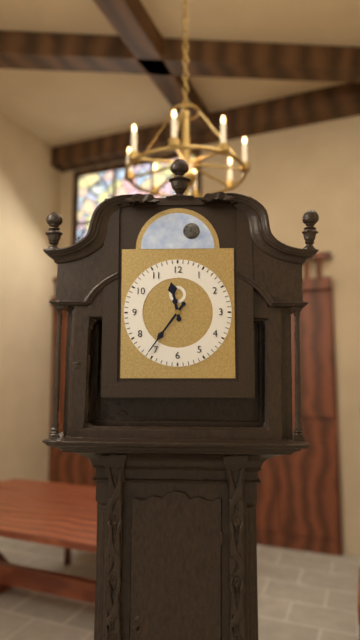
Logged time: 11.36
